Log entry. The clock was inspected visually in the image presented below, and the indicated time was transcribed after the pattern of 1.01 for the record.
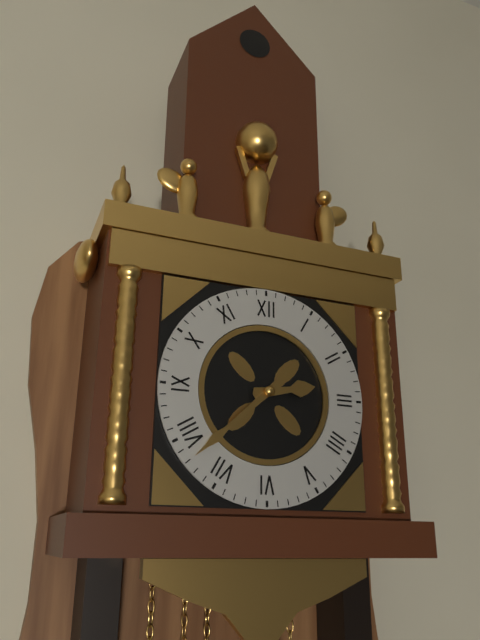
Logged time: 2.38
